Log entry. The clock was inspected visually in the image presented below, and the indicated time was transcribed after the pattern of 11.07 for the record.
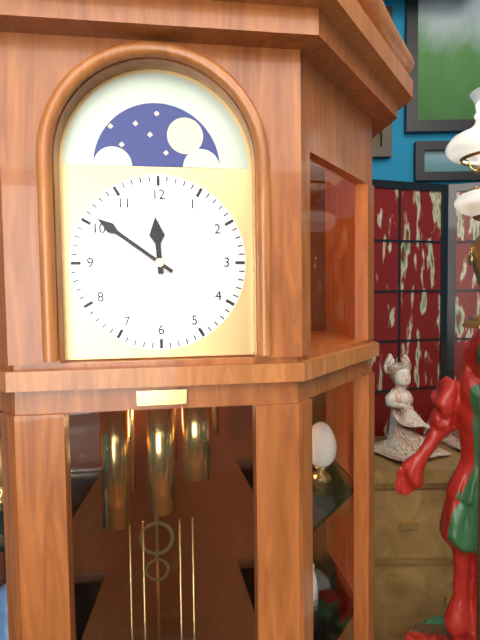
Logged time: 11.51
